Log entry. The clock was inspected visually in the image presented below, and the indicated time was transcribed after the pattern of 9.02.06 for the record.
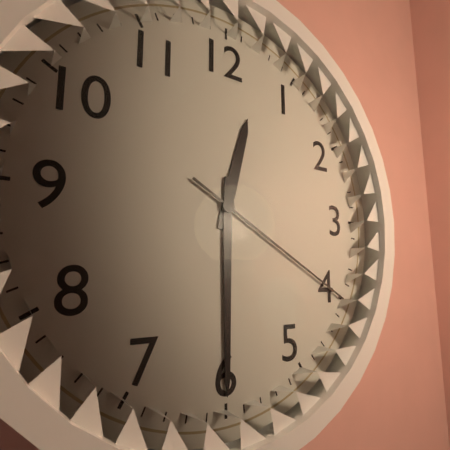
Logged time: 12.30.20
